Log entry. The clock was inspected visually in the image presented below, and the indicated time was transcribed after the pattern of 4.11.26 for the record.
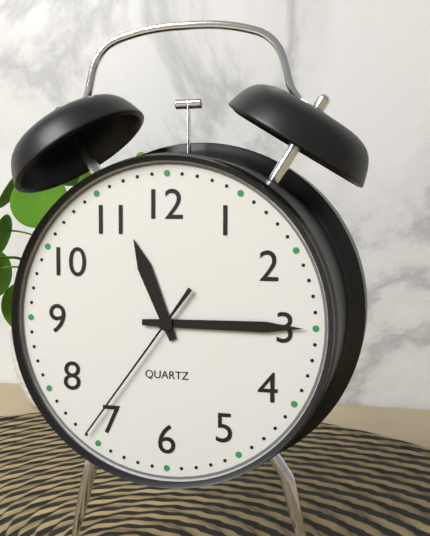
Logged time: 11.15.36
